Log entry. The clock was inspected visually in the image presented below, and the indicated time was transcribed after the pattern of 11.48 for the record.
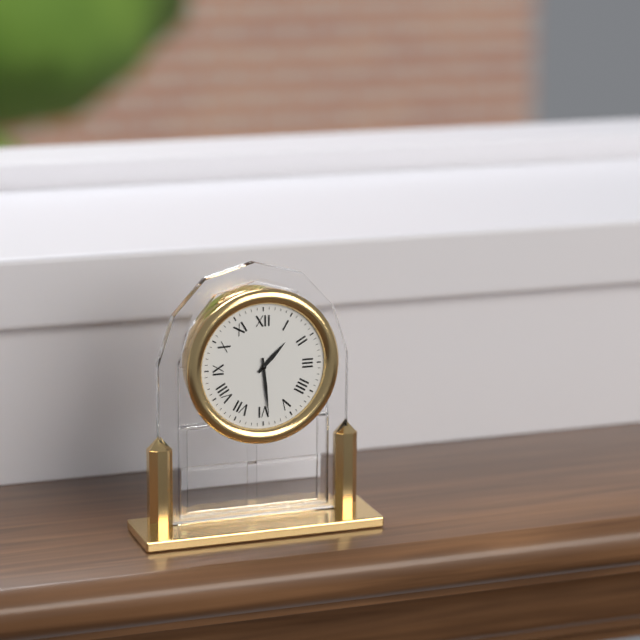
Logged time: 1.29
